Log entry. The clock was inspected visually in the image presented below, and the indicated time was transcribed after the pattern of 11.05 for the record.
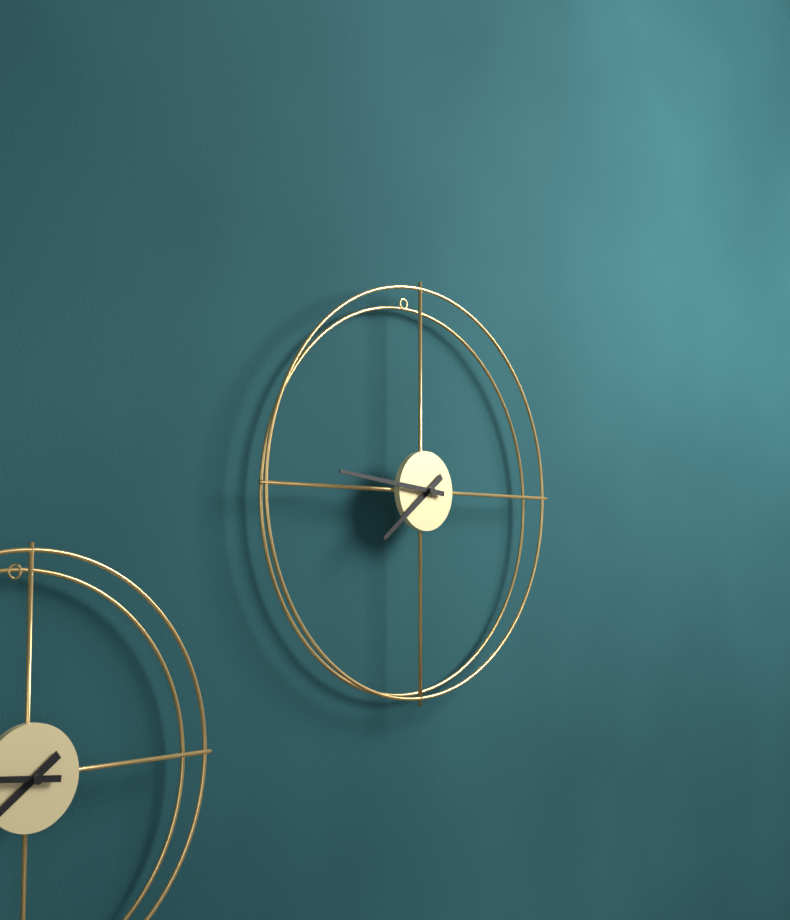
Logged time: 7.46
